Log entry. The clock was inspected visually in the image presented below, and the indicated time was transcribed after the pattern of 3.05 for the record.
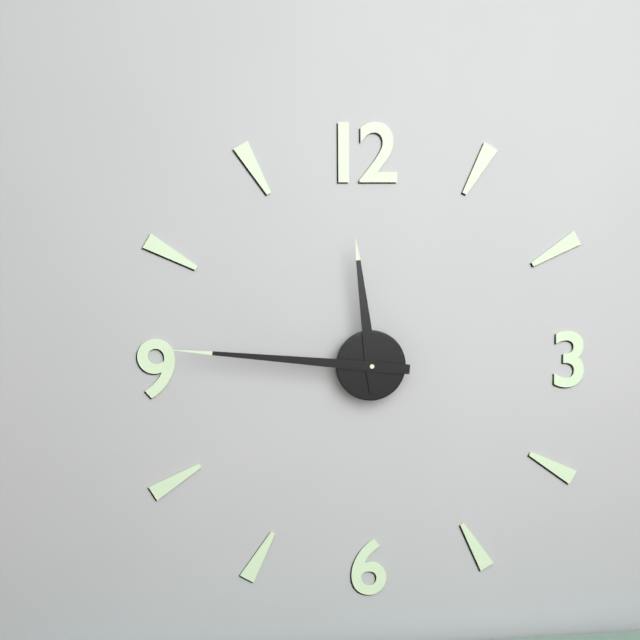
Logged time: 11.46
